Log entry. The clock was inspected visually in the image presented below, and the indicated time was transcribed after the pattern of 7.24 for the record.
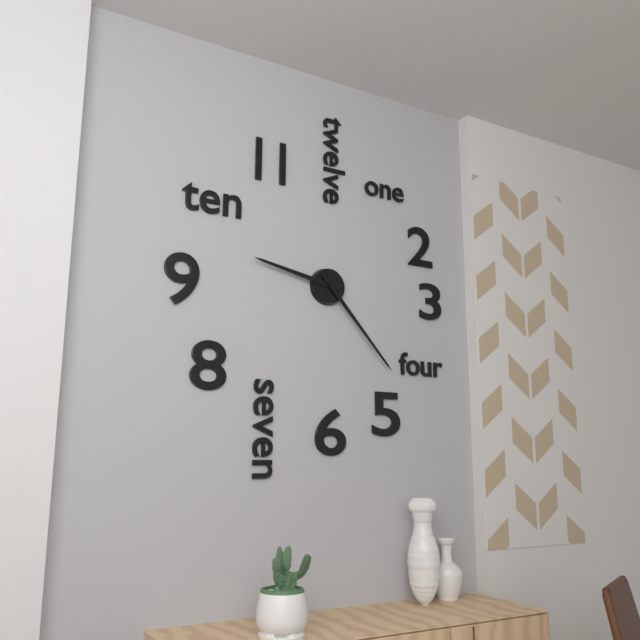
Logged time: 9.23
